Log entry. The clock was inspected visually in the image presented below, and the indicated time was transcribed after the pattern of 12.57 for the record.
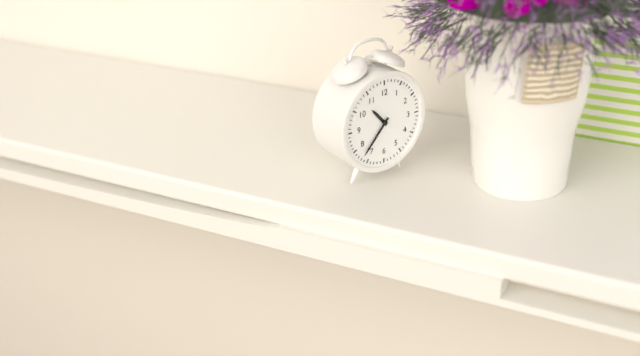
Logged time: 10.37
